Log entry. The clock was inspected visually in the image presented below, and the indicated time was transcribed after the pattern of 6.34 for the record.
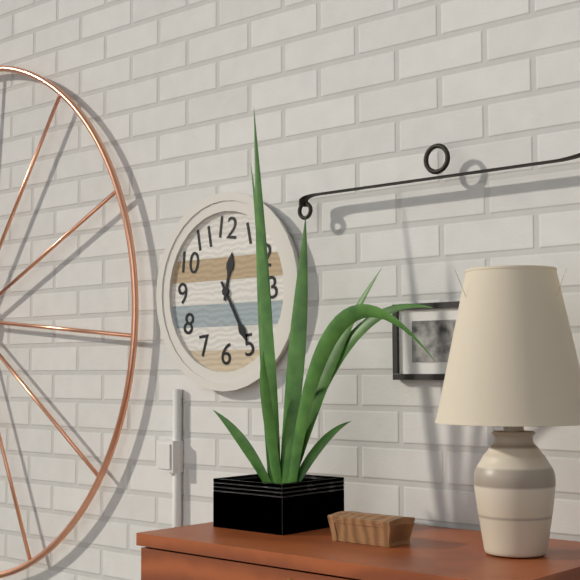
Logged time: 12.25
